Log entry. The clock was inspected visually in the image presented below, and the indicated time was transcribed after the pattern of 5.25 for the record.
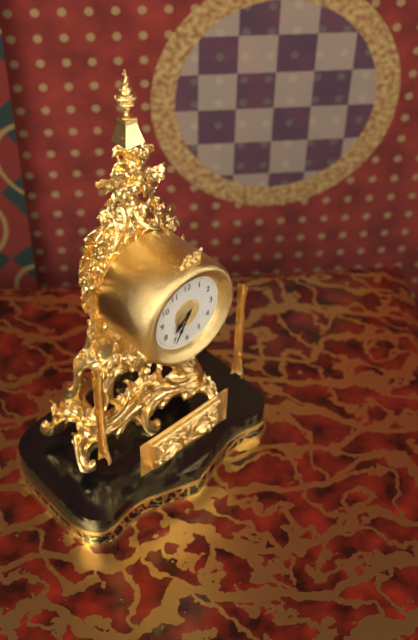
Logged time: 7.35
